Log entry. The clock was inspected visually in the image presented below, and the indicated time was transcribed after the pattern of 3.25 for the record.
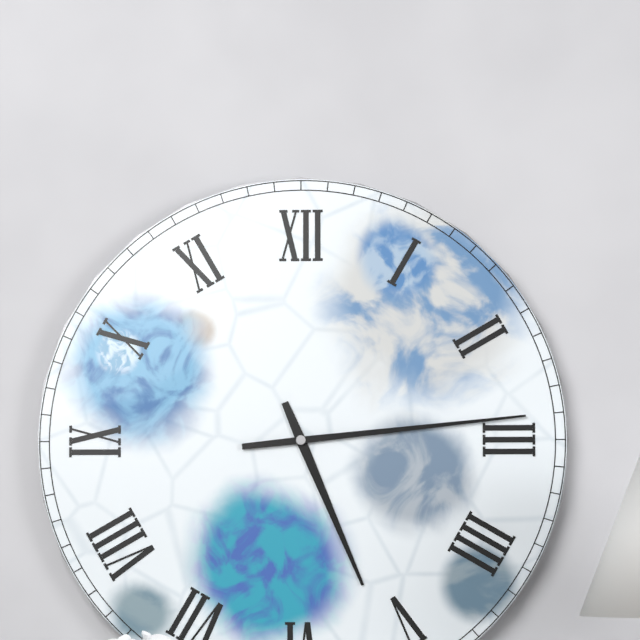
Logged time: 5.14
